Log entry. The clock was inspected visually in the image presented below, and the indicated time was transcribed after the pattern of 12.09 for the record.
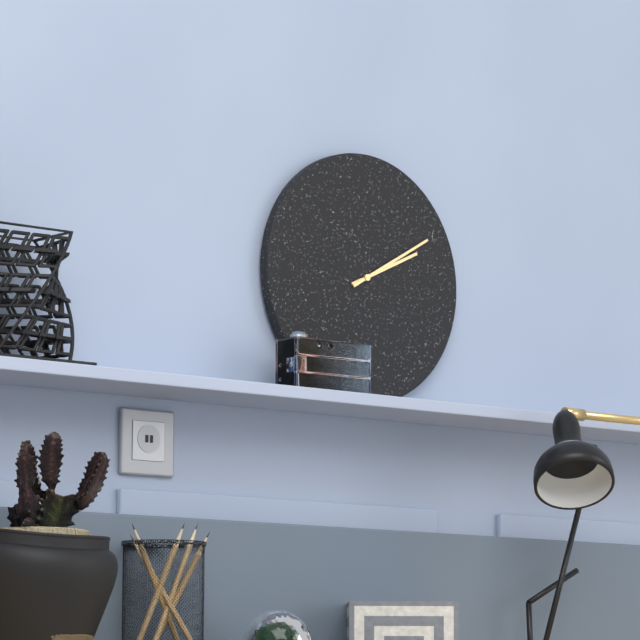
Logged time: 2.10
